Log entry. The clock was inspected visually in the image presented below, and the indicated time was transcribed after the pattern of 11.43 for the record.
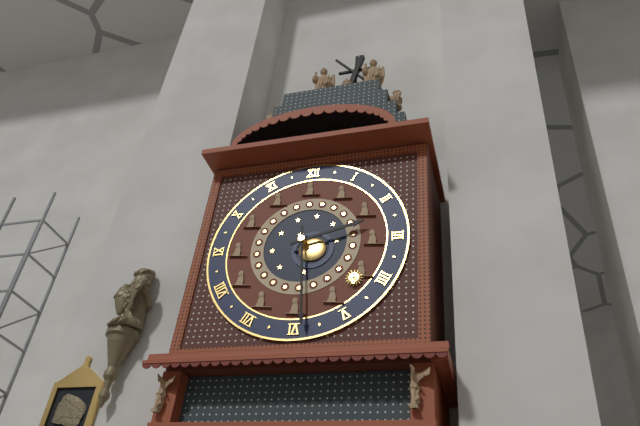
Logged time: 2.29
